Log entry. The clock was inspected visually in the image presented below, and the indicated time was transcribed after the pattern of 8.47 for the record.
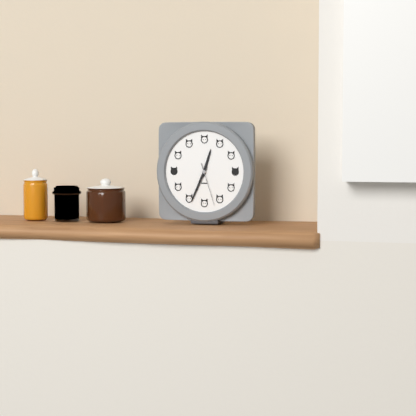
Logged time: 12.34
